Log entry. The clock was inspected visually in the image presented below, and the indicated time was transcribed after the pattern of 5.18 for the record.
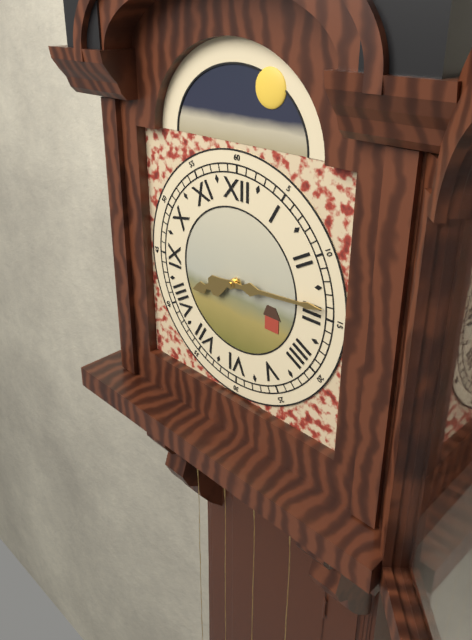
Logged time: 8.14
